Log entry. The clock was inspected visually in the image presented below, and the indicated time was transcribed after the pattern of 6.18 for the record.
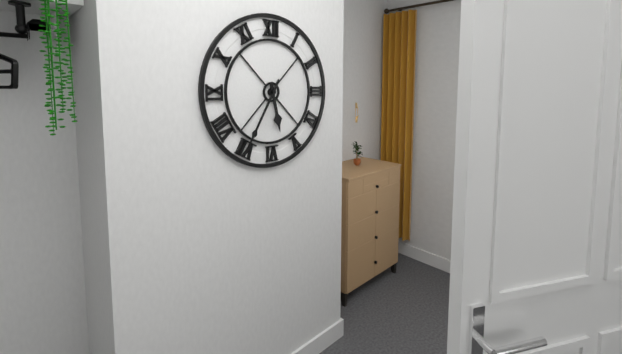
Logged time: 5.35
